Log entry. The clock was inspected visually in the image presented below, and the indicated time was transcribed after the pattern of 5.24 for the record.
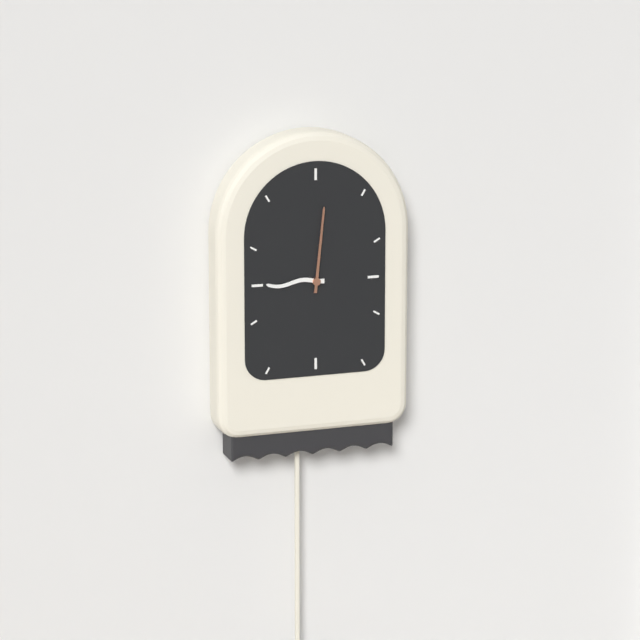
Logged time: 9.01
